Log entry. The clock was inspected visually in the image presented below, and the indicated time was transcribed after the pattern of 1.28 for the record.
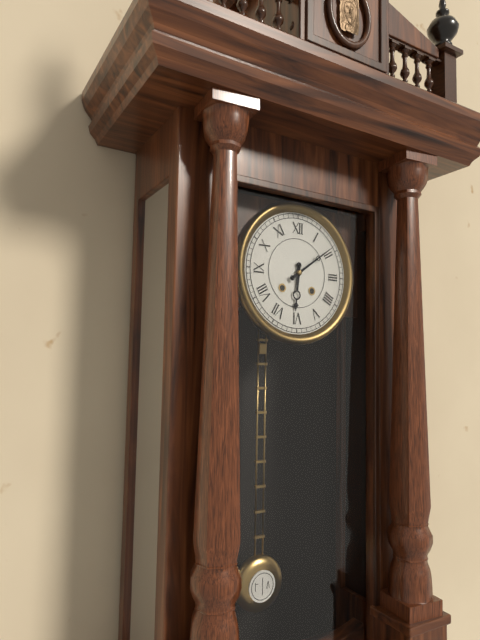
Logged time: 6.09
